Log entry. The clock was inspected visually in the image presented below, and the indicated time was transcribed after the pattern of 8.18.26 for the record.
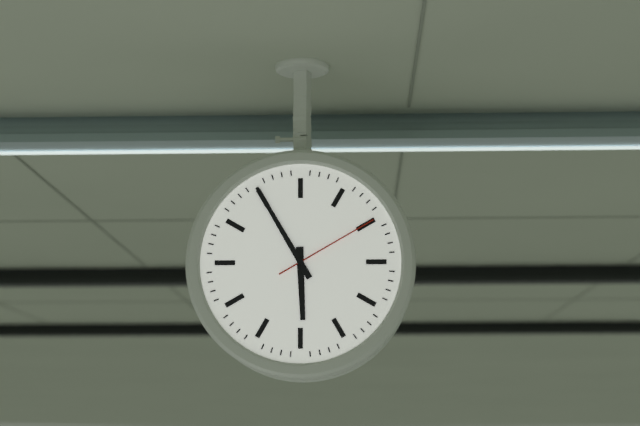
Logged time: 5.55.10
